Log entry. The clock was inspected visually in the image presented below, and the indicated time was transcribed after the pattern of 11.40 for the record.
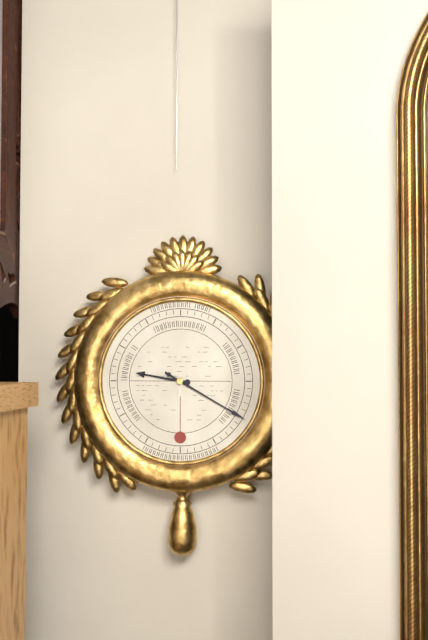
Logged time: 9.20
